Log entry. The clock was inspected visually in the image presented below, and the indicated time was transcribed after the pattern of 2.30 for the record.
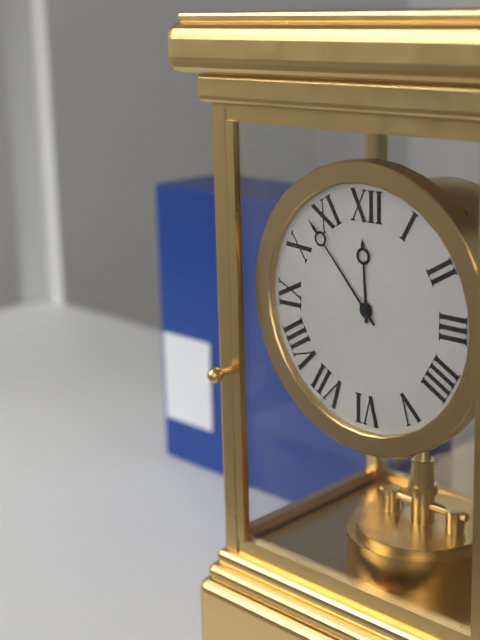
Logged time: 11.53
